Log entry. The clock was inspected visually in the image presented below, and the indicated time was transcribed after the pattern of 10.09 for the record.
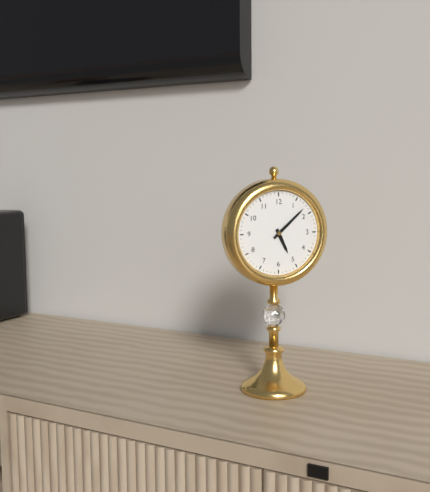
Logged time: 5.08
